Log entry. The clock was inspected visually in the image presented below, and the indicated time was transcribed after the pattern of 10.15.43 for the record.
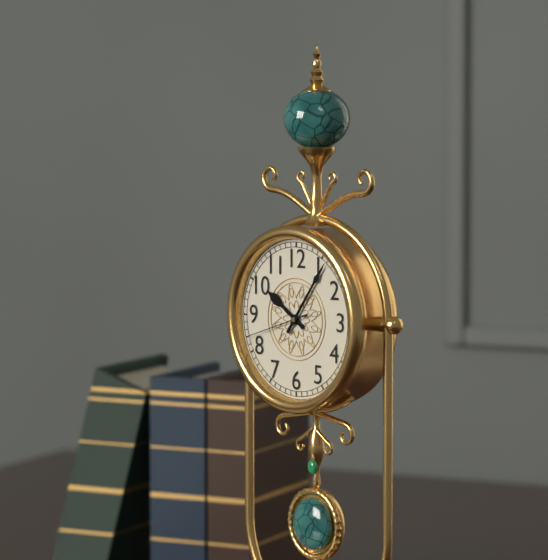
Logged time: 10.06.42
